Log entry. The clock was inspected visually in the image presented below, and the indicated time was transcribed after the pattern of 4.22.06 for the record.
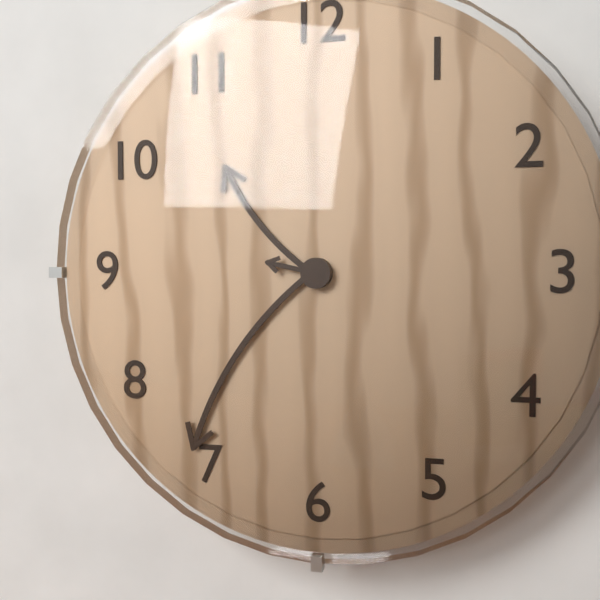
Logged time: 10.36.47
